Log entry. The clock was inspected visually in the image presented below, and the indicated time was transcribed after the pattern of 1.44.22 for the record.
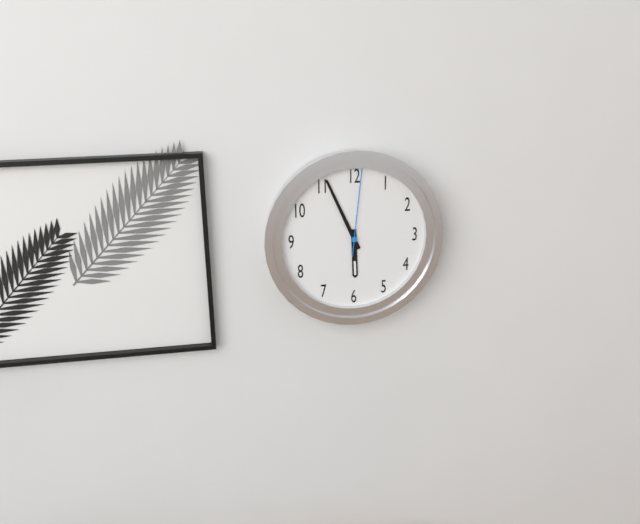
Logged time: 5.56.01
